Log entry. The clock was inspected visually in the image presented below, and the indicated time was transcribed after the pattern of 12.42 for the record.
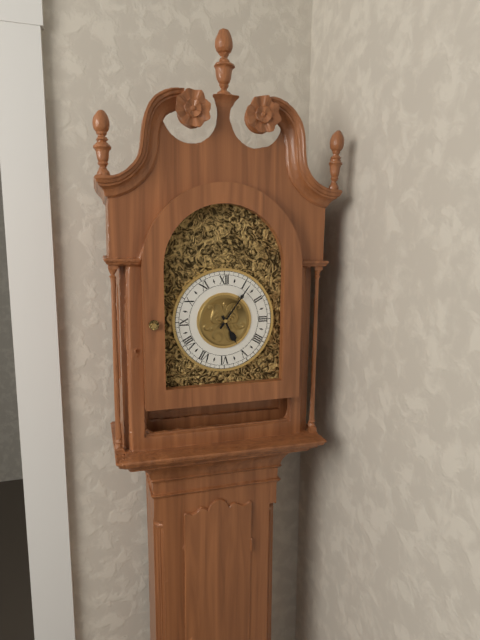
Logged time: 5.06
